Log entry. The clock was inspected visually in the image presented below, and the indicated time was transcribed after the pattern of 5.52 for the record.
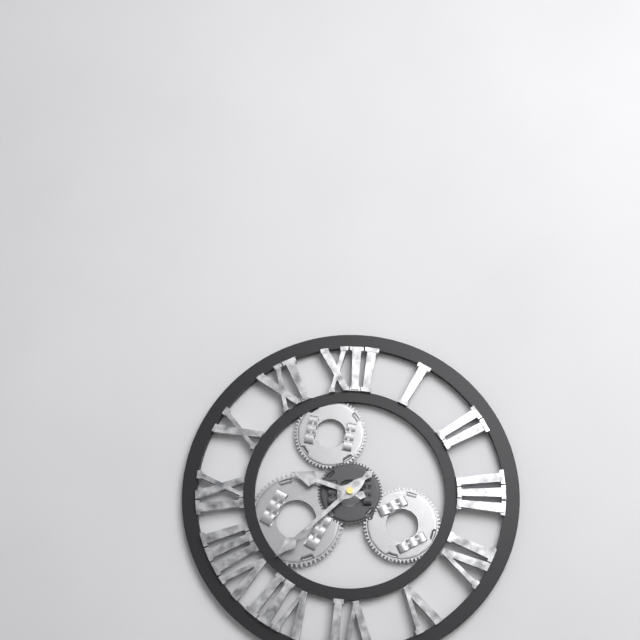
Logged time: 9.38
